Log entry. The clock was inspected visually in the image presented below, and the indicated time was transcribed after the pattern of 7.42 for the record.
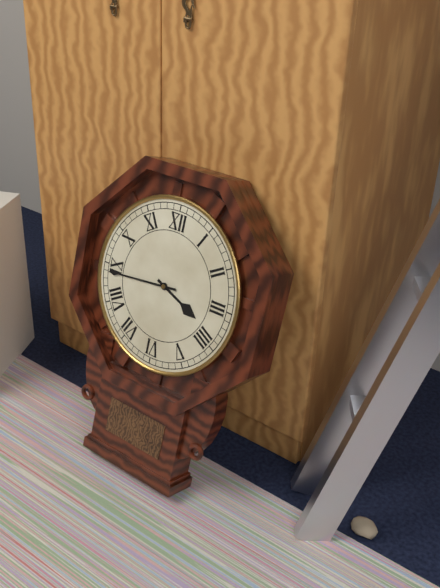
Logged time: 3.44
